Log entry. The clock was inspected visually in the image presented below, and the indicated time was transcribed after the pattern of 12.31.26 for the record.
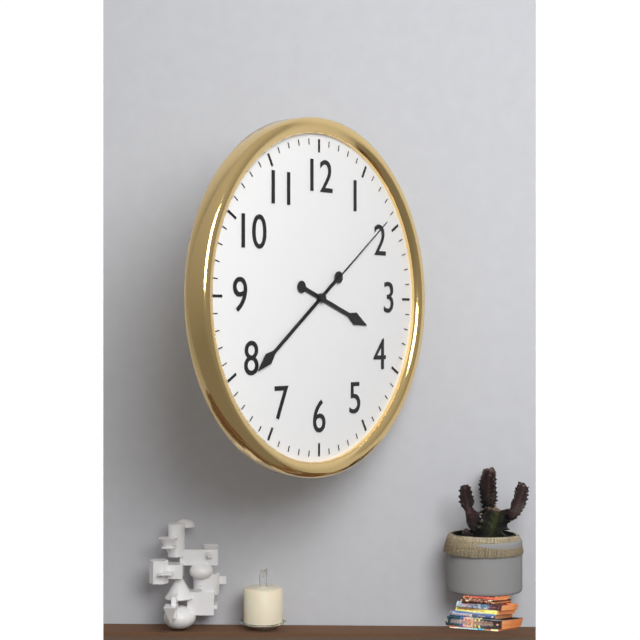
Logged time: 3.39.09
